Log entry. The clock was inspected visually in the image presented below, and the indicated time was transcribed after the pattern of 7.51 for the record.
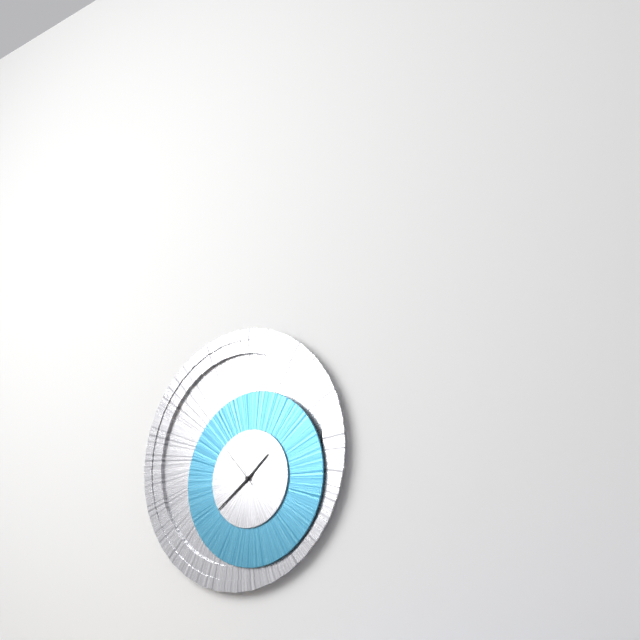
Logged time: 1.39
